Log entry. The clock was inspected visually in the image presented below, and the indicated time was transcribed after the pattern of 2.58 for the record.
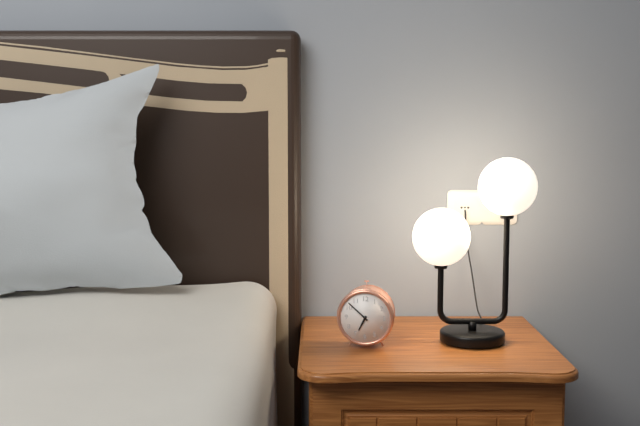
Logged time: 6.52
